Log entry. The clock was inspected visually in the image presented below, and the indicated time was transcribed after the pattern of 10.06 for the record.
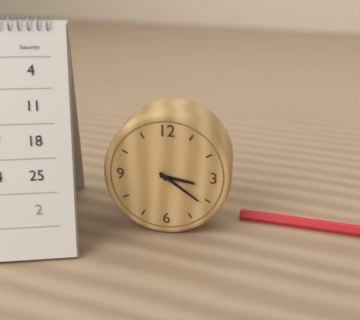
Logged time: 3.21
